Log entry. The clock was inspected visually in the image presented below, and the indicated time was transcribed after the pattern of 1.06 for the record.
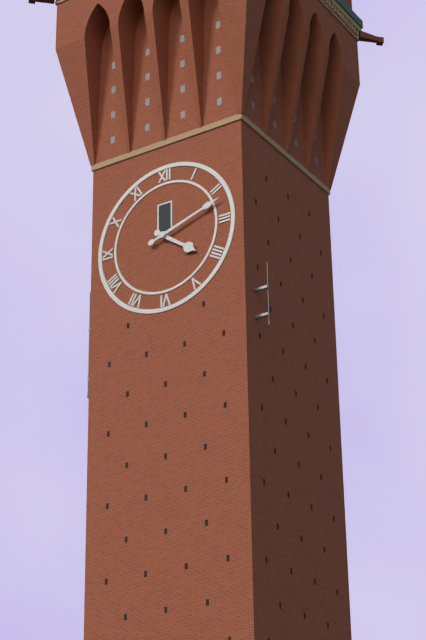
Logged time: 4.12
